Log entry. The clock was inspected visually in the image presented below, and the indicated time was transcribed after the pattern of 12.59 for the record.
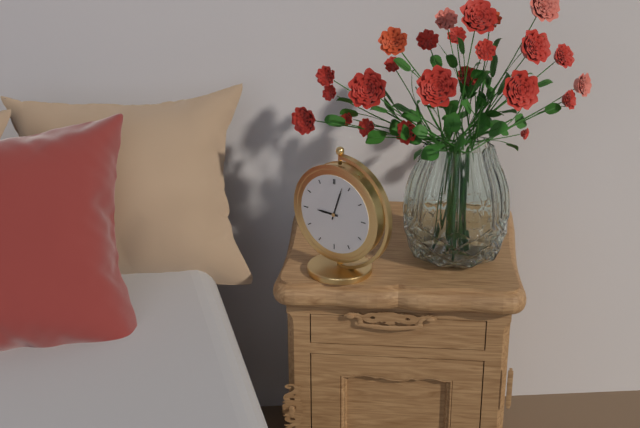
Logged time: 9.03
